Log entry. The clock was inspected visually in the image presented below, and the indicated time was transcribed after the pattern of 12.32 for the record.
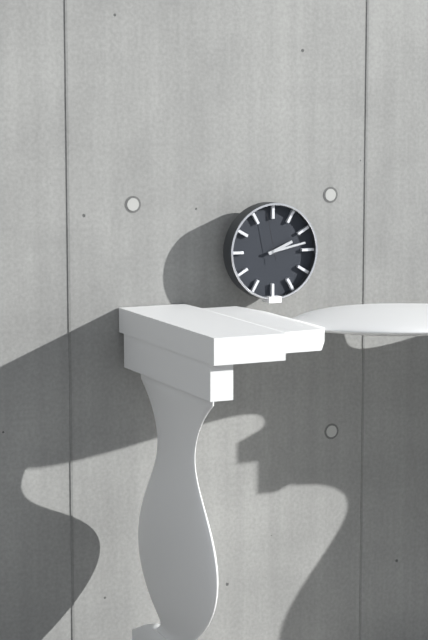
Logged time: 2.13
